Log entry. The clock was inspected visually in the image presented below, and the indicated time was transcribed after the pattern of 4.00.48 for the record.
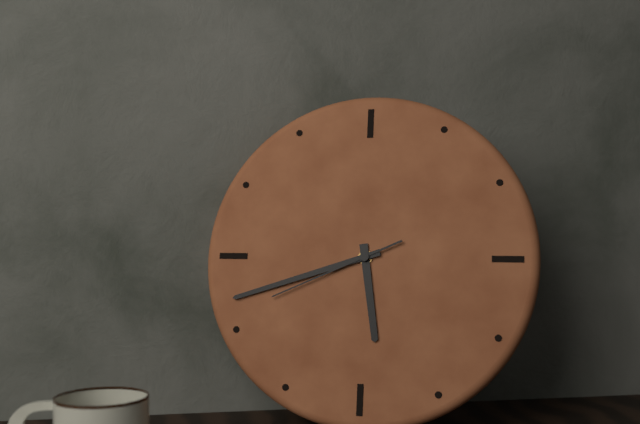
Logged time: 5.42.41
